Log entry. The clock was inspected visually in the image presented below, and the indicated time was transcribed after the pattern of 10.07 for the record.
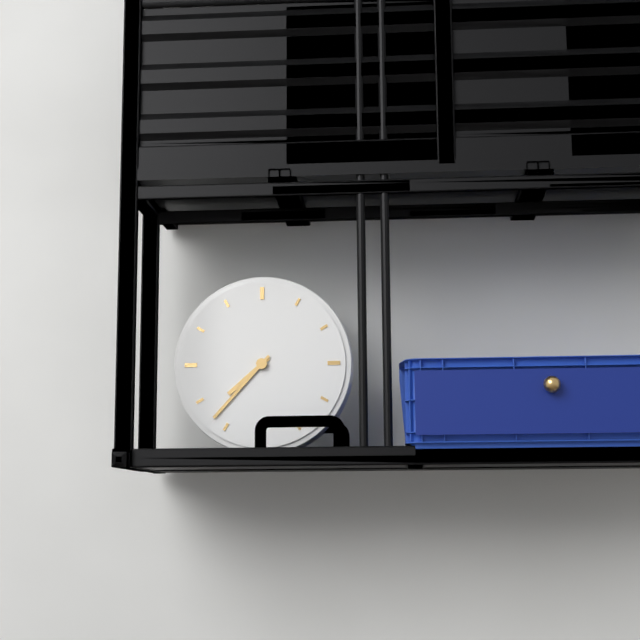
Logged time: 7.37
